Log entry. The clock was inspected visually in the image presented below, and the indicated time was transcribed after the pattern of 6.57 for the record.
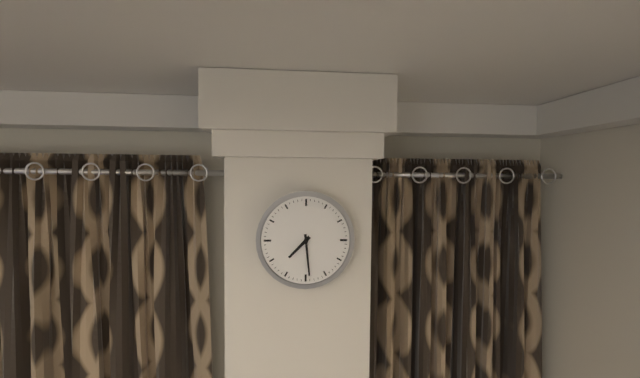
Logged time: 7.29
